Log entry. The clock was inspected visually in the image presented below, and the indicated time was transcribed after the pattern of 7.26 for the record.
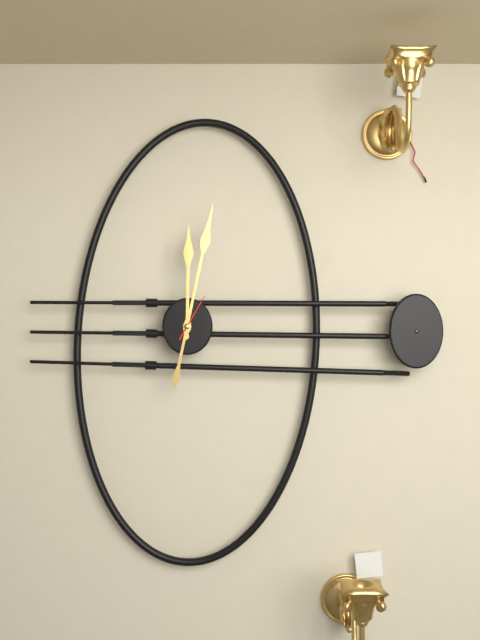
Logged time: 12.02
